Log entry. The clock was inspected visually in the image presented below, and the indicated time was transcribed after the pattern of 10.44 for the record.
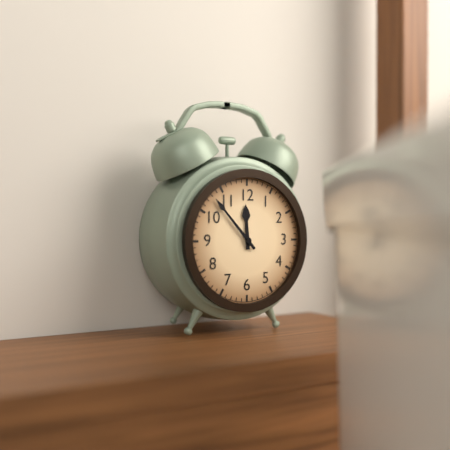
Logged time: 11.53
